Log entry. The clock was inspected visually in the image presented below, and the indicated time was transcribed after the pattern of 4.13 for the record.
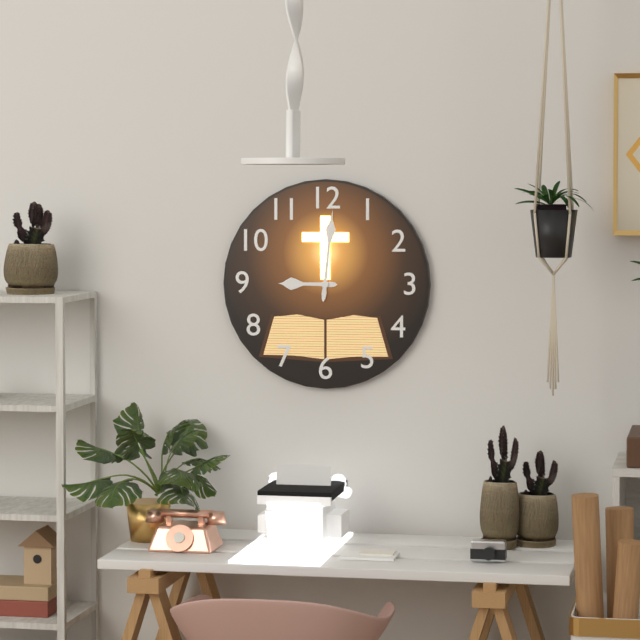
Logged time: 9.01
